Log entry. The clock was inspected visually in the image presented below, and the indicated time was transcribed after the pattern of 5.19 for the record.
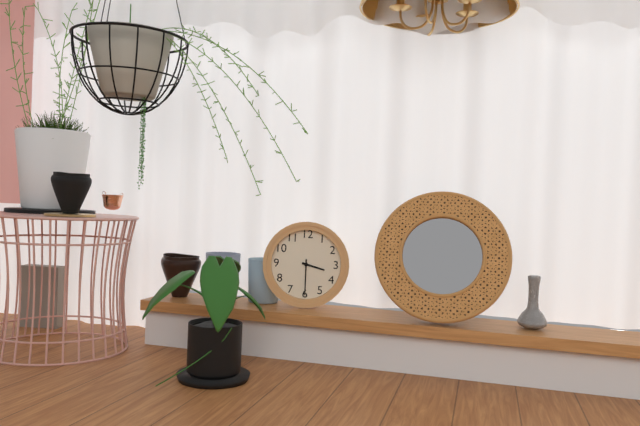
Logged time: 3.30
